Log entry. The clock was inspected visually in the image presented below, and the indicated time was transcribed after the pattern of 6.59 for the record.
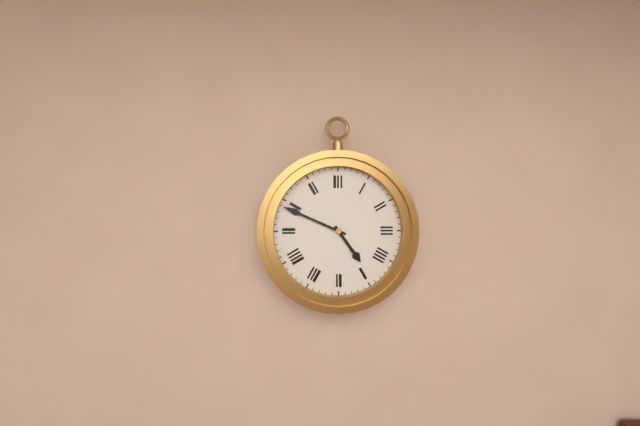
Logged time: 4.49
